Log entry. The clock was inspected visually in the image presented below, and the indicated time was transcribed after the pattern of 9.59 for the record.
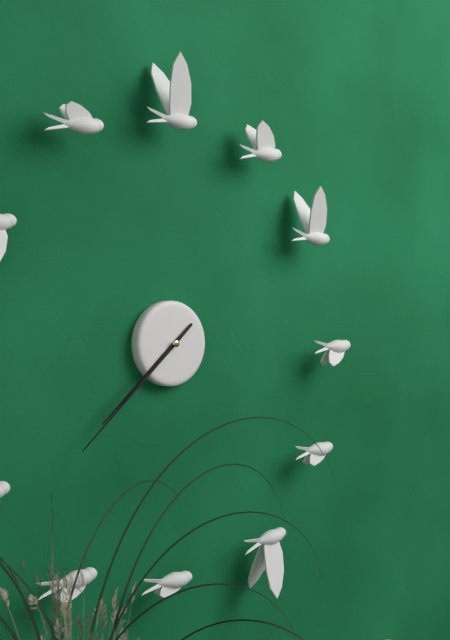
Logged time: 7.38
